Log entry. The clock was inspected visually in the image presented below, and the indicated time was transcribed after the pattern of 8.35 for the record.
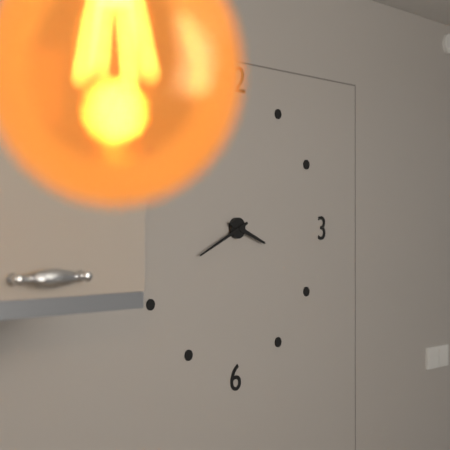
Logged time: 3.41
